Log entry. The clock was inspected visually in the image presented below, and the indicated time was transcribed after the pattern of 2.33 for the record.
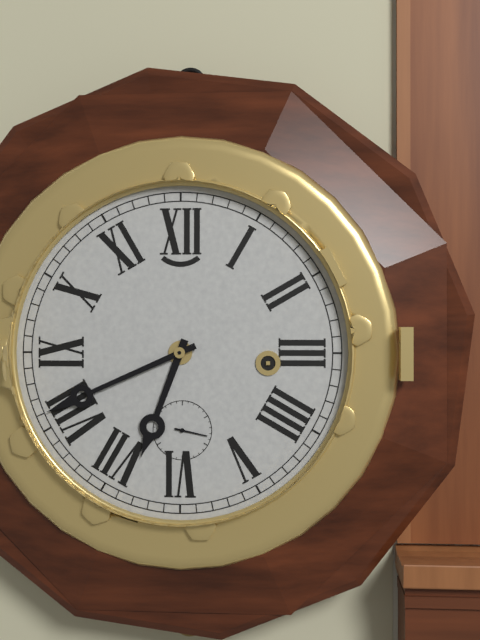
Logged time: 6.41
